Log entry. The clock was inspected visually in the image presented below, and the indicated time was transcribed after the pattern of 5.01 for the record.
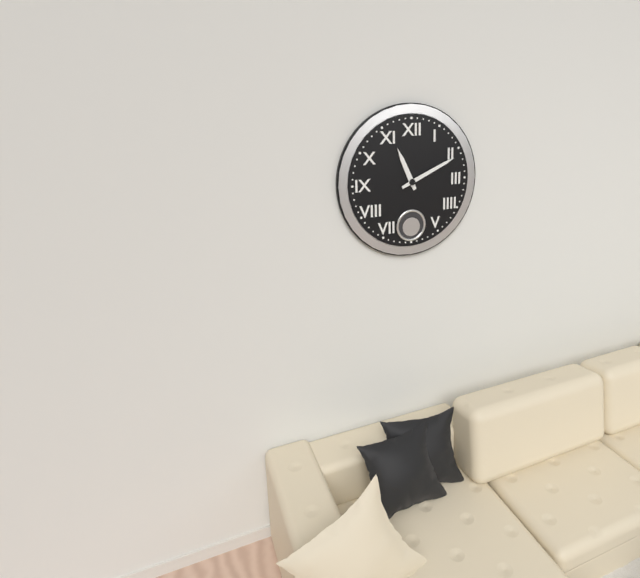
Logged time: 11.11
